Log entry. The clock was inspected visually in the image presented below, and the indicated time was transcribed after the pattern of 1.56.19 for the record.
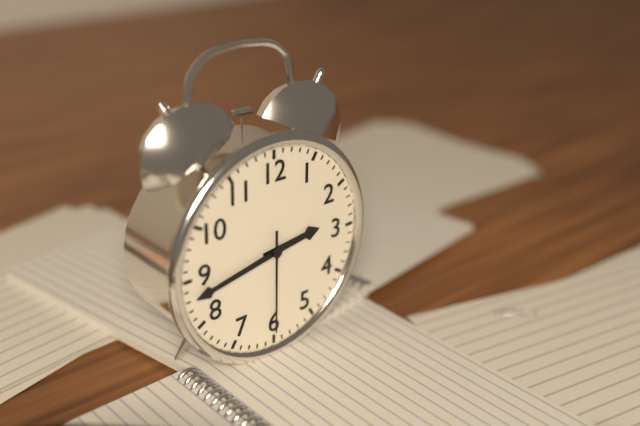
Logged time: 2.43.30
